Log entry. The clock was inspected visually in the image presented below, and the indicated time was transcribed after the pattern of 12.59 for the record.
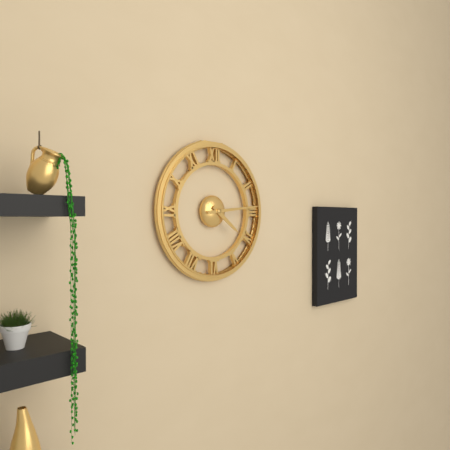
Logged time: 4.14
